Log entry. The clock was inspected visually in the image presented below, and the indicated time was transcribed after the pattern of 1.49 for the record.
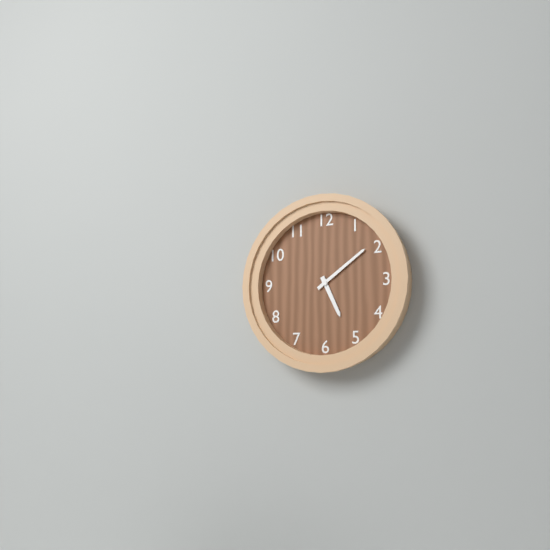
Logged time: 5.09
